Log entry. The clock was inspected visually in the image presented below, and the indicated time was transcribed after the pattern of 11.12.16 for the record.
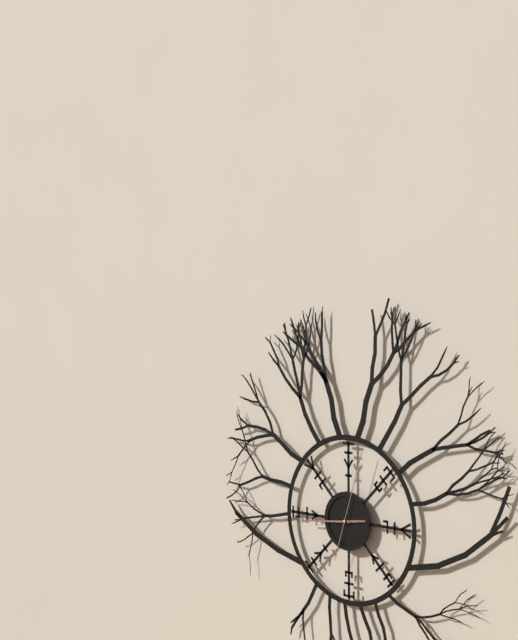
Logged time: 2.44.03
